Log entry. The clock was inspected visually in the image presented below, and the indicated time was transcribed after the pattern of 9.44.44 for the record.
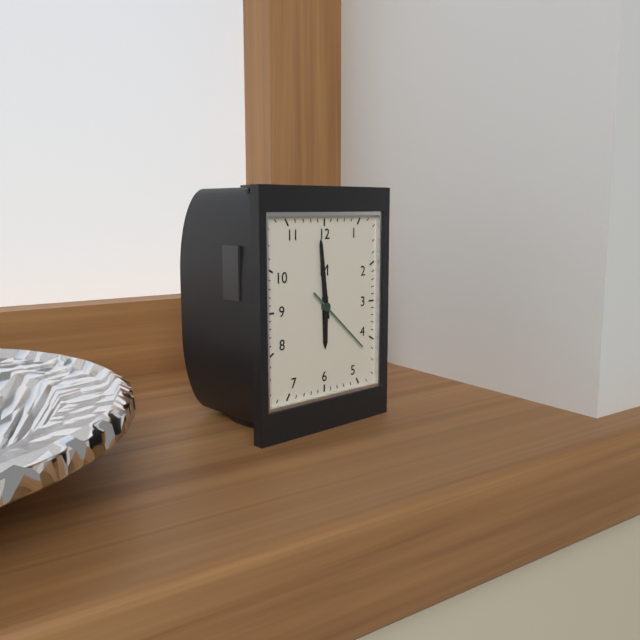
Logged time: 5.59.22
